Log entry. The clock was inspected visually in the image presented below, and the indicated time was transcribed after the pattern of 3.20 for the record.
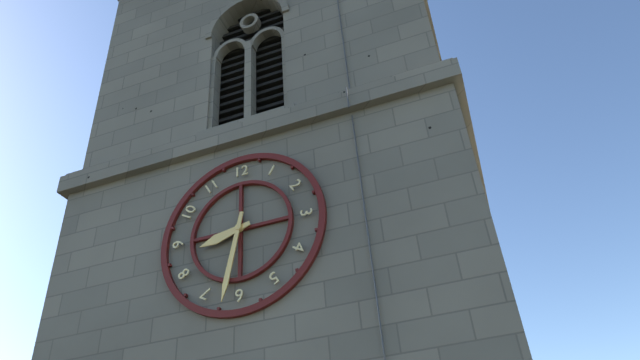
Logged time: 8.32
